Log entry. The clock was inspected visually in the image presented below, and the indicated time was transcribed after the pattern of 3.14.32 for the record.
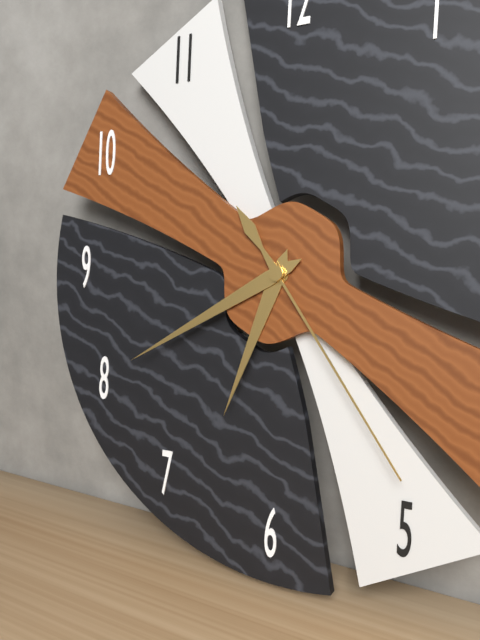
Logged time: 6.40.24
